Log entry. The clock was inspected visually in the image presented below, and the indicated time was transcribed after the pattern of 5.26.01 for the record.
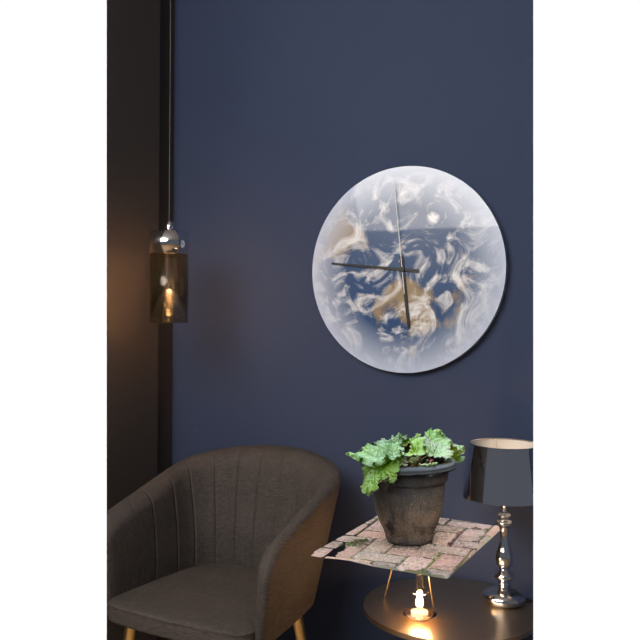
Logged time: 5.46.59
